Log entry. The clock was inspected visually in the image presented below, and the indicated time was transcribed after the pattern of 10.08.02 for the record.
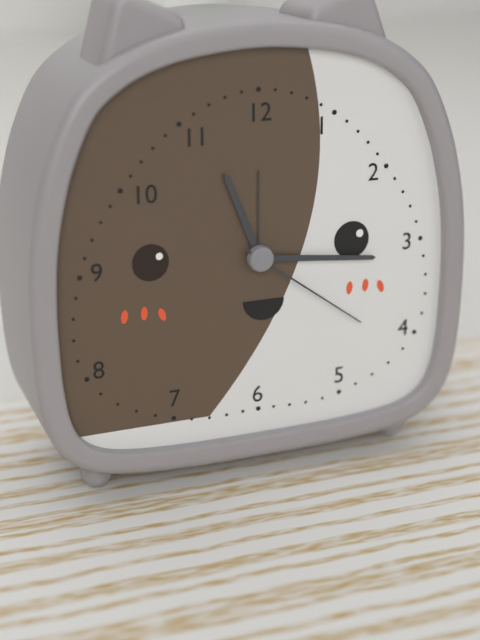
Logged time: 11.16.21
